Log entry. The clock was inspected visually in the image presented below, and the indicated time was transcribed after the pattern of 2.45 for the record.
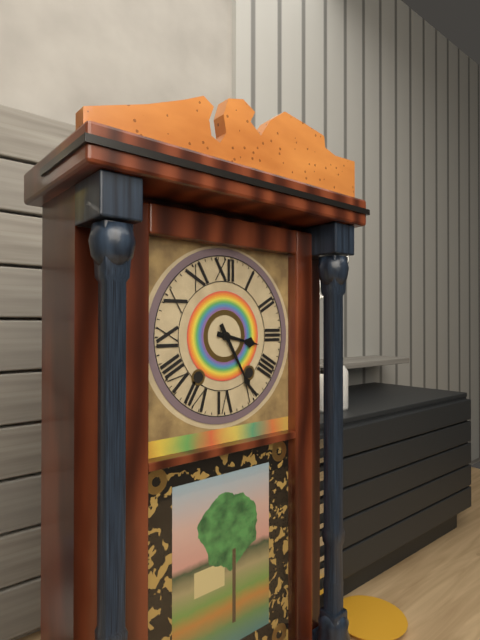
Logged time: 3.25
